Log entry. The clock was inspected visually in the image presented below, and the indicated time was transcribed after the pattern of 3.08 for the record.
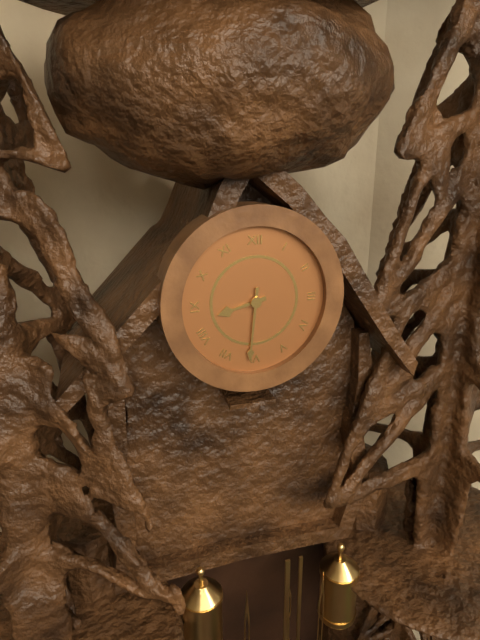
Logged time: 8.31
